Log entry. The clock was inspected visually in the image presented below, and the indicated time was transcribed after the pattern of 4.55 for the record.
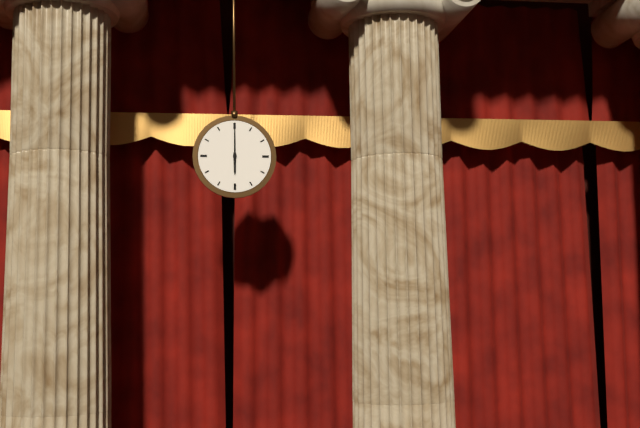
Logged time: 6.00
